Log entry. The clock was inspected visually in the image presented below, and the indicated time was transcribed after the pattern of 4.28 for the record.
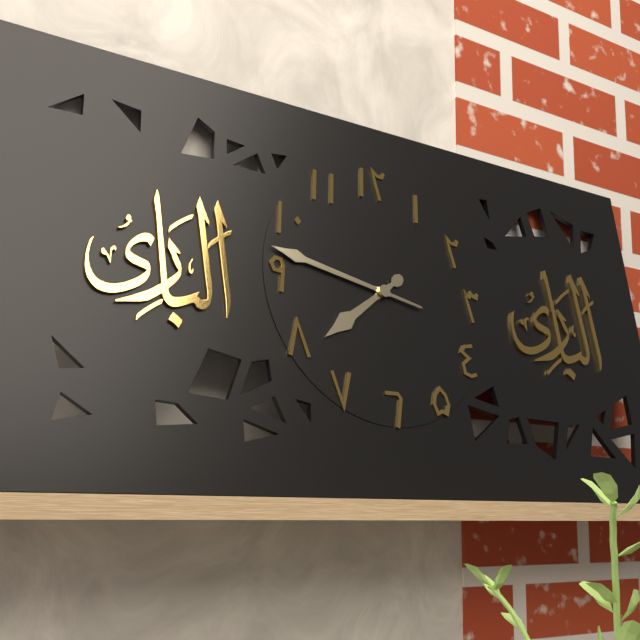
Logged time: 7.47
